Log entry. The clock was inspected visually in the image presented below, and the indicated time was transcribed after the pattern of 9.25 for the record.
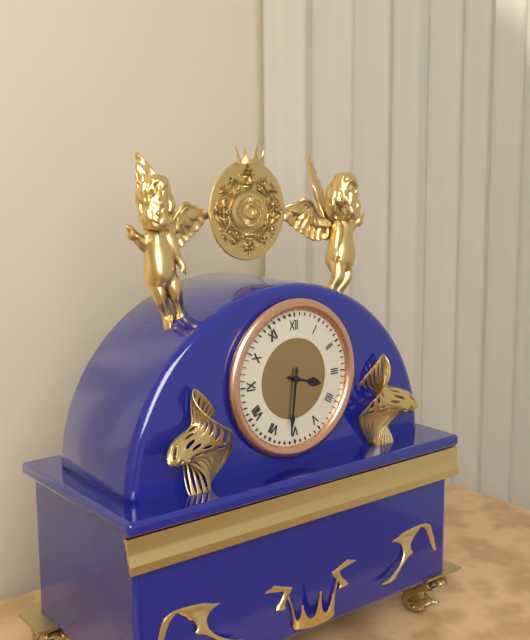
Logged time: 3.31
